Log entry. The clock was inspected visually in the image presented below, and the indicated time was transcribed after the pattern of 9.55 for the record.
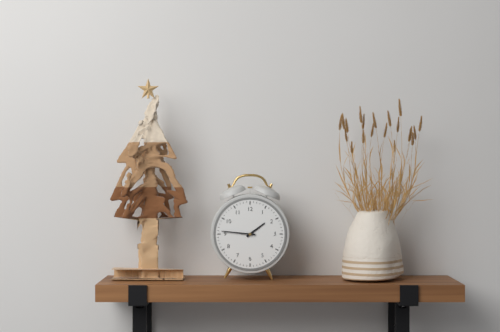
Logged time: 1.46
